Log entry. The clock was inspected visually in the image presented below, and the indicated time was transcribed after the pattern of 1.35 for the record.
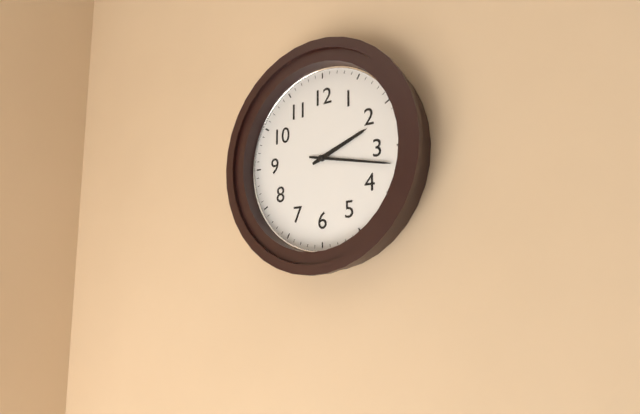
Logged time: 2.17
